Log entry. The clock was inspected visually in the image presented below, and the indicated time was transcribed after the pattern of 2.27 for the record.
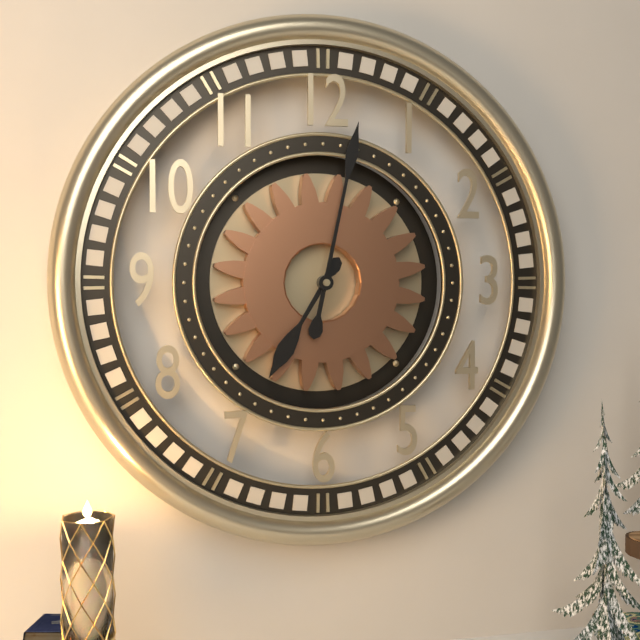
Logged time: 7.02
